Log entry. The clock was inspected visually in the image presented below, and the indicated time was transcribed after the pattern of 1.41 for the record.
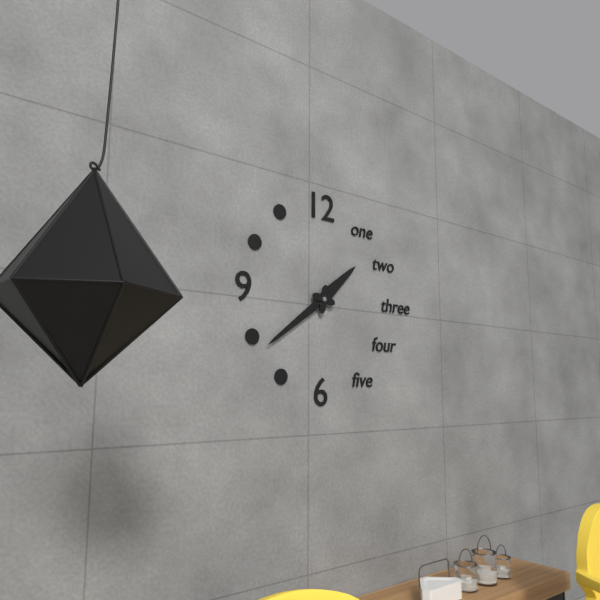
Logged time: 1.39
